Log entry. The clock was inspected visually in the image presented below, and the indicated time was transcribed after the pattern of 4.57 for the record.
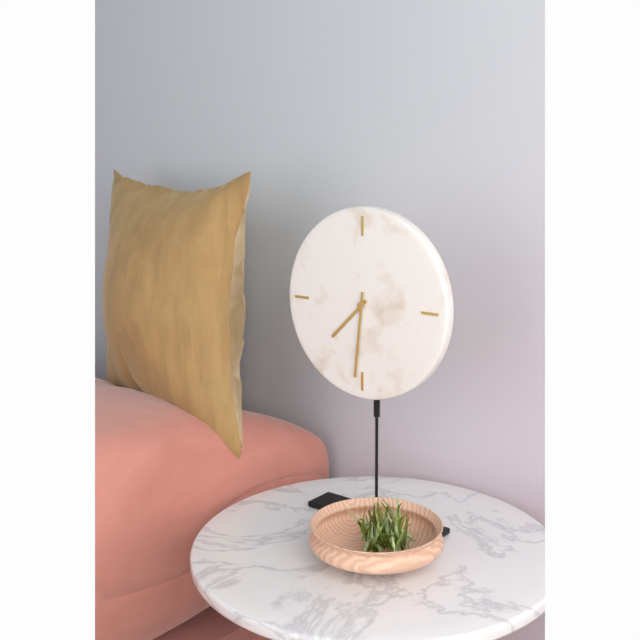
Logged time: 7.31
